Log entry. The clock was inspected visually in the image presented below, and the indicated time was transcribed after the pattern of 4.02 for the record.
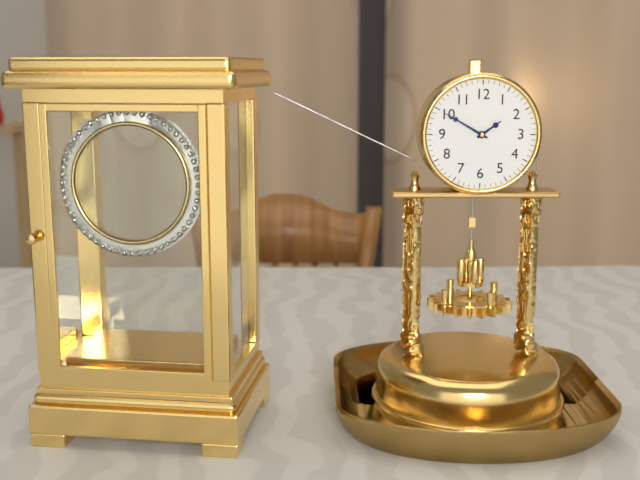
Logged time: 1.50
